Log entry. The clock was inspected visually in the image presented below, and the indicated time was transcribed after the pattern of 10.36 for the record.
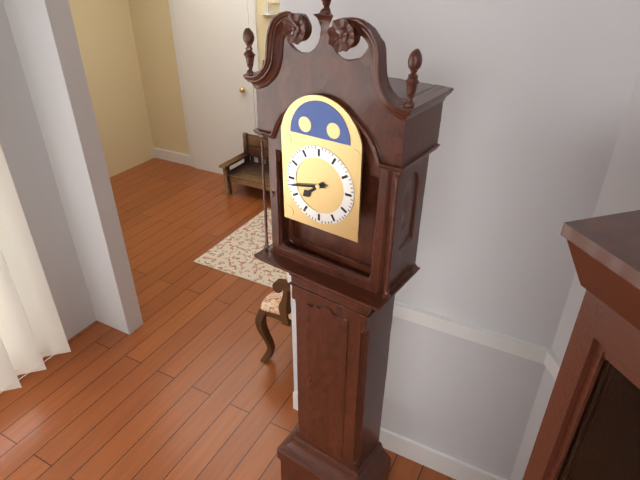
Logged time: 7.43
